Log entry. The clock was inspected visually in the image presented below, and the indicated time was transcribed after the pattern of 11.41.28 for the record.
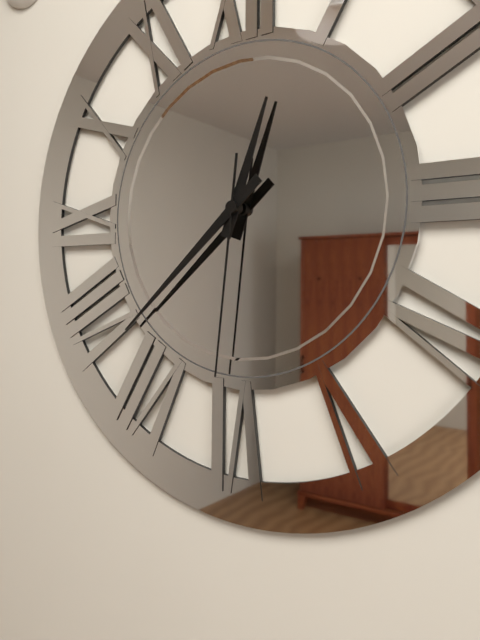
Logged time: 12.38.31
